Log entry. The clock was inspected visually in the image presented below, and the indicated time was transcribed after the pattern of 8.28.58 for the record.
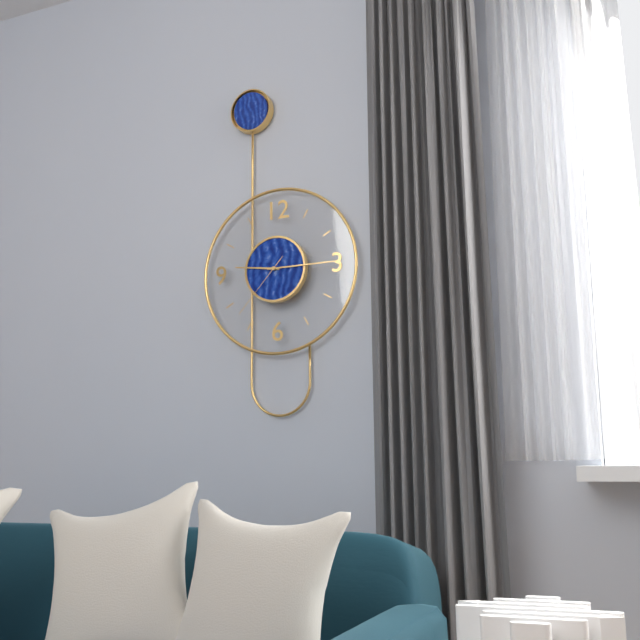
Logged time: 9.15.37
